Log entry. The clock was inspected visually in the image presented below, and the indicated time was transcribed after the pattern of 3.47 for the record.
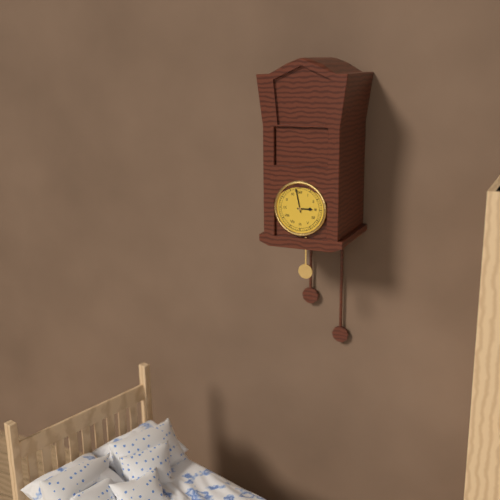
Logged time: 2.58
